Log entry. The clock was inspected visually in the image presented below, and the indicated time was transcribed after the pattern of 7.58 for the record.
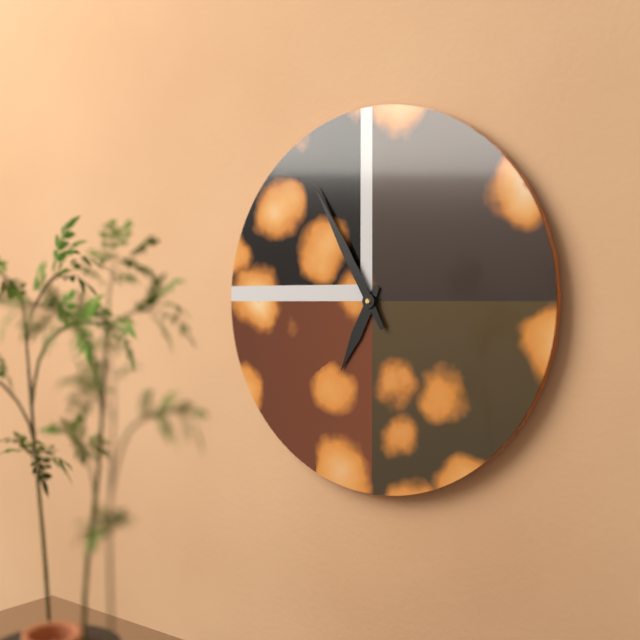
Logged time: 6.55
